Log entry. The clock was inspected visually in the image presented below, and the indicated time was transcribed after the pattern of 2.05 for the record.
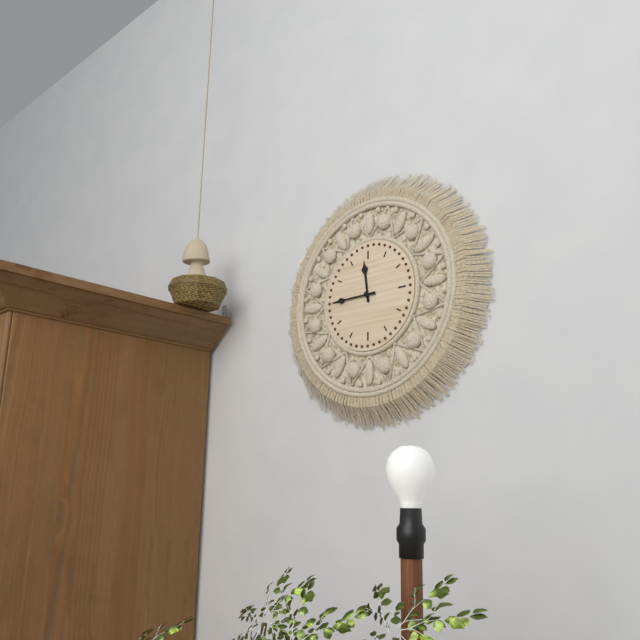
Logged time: 11.45
